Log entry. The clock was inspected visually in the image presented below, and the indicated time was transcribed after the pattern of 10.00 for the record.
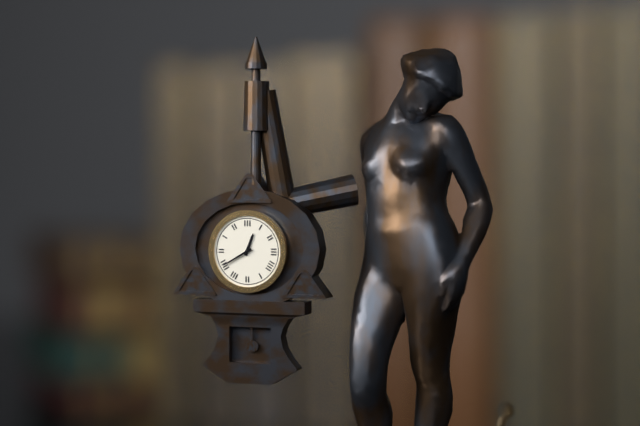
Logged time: 12.40
